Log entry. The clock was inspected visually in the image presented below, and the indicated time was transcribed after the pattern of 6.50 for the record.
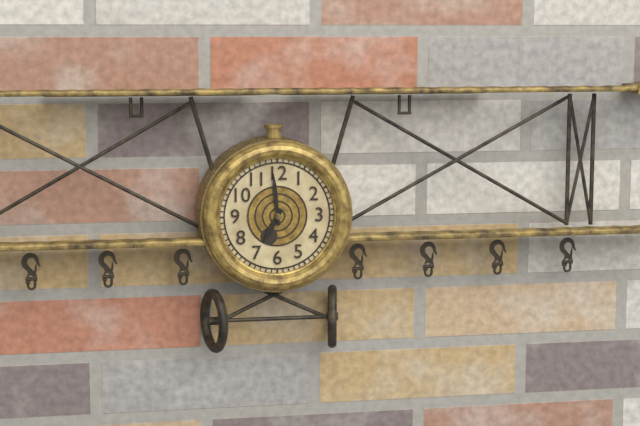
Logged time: 6.59
